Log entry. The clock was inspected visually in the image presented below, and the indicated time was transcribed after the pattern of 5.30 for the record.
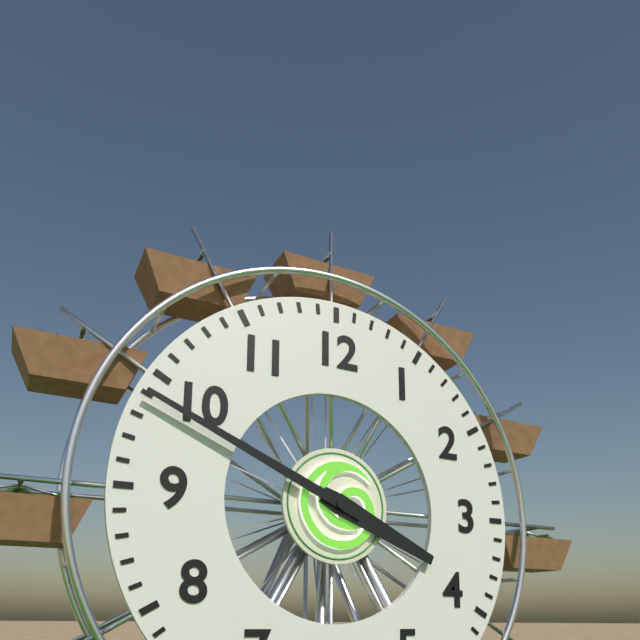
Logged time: 3.49
